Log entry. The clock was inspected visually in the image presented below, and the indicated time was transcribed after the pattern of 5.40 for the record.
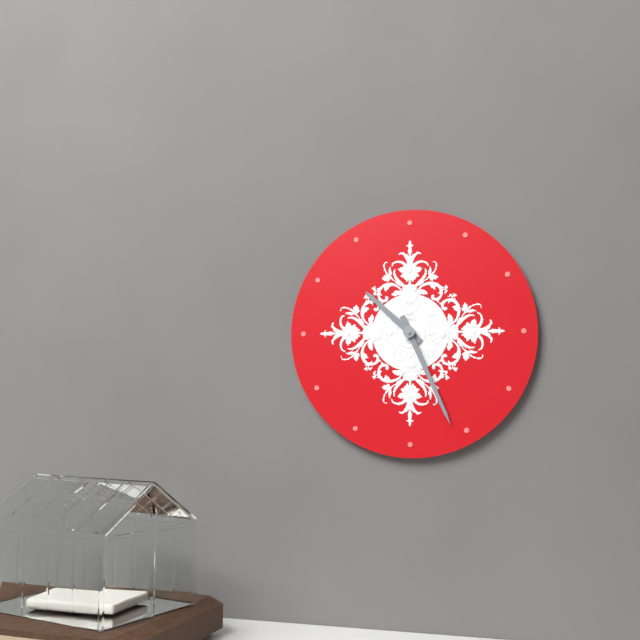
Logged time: 10.26
